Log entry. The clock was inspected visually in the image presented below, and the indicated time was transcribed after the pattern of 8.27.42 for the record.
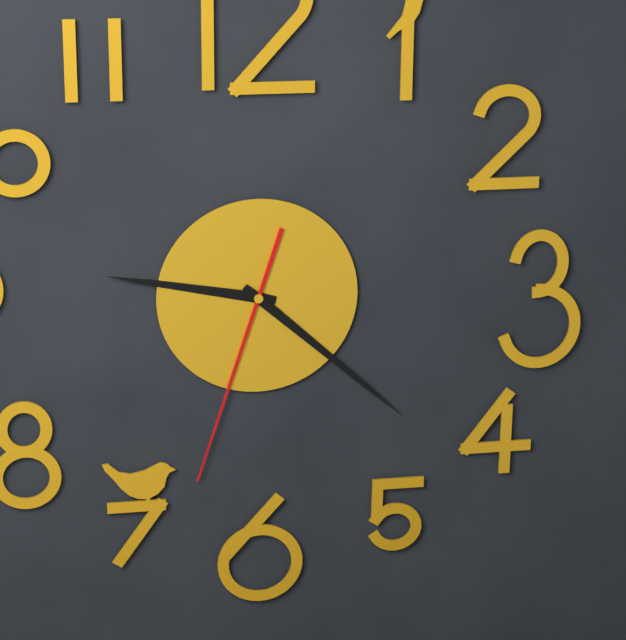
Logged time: 9.22.33
